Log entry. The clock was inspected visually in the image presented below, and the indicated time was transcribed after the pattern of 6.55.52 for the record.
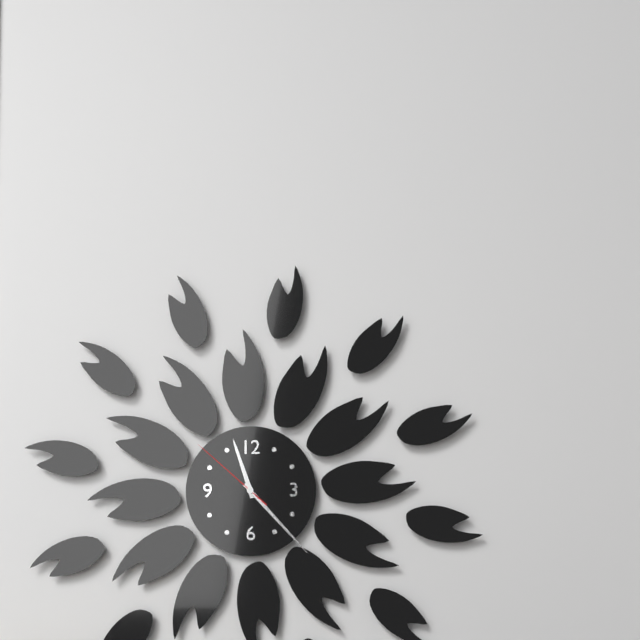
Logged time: 11.23.52
